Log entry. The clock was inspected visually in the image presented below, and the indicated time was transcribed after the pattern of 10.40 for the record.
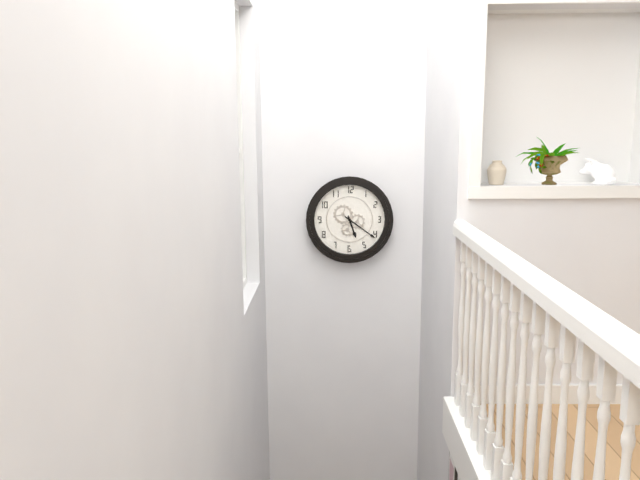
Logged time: 5.21
